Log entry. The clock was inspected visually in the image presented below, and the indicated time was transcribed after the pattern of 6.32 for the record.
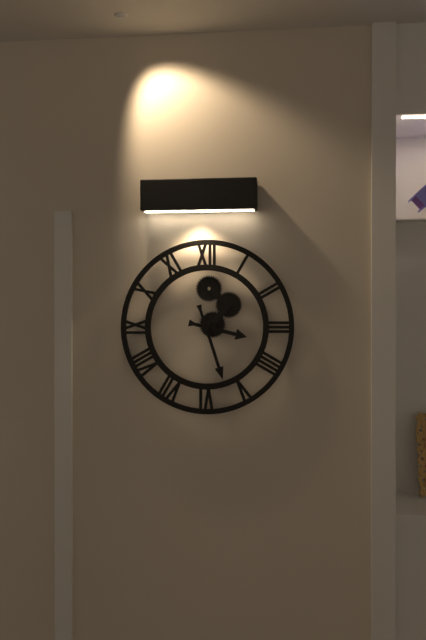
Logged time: 3.27
